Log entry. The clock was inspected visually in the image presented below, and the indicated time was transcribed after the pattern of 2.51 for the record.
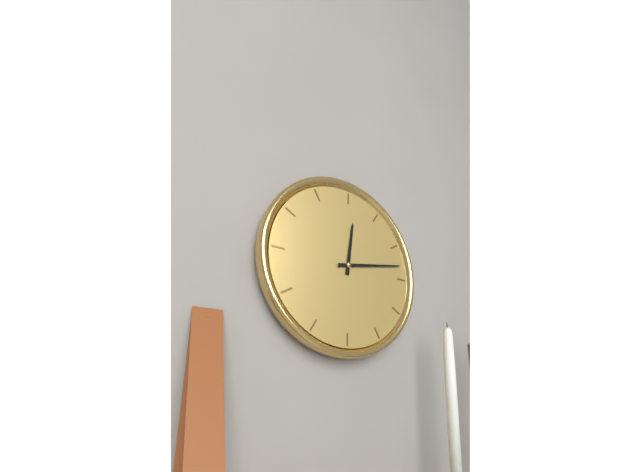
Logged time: 12.13
